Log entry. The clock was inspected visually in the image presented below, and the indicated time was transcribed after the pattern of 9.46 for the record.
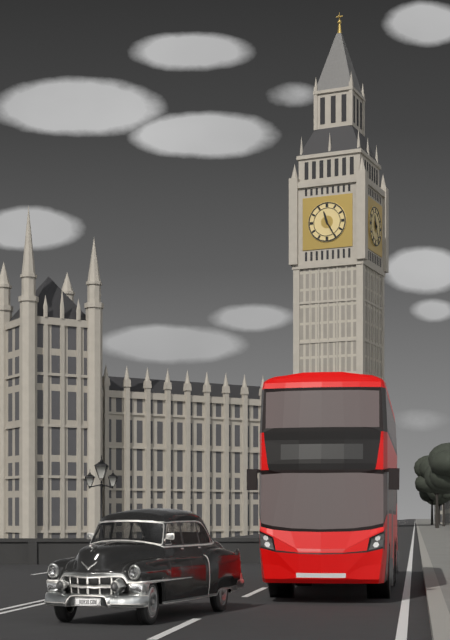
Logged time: 11.25
